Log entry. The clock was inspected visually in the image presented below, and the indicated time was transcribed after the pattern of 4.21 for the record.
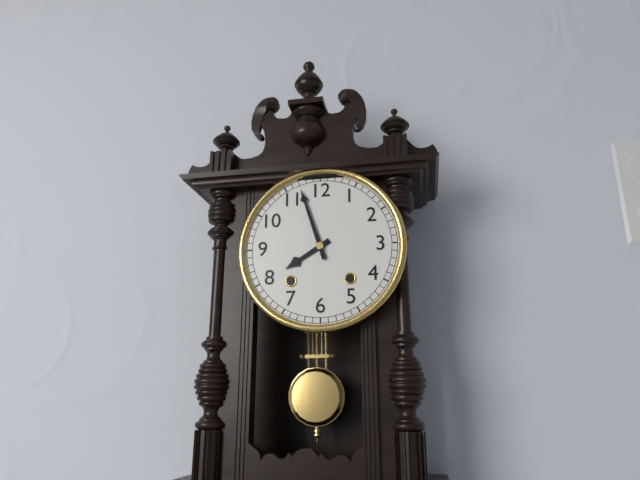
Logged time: 7.57
